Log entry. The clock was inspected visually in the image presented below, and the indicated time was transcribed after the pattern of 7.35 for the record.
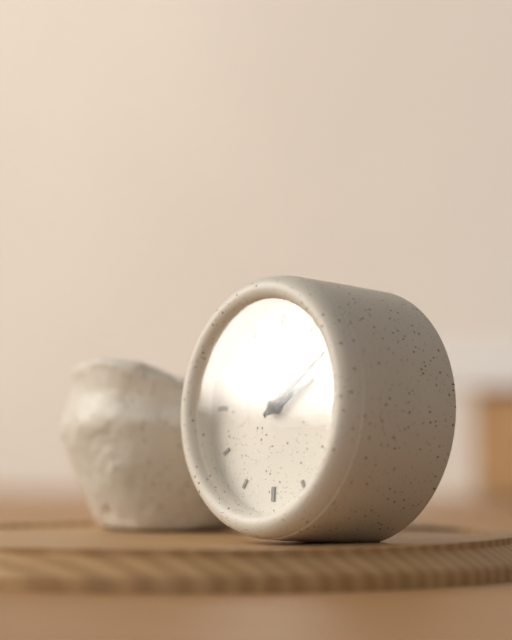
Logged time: 2.09
